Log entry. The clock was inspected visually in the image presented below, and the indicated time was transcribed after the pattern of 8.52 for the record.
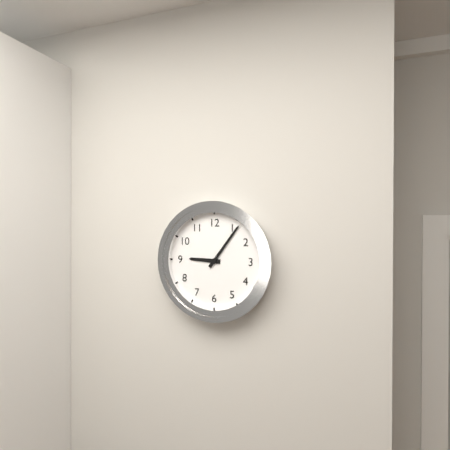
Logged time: 9.06
